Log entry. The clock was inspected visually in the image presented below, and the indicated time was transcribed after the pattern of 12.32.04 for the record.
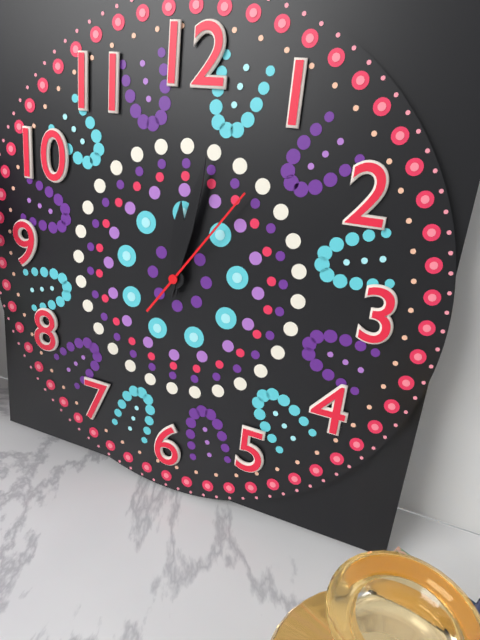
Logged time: 12.02.06
